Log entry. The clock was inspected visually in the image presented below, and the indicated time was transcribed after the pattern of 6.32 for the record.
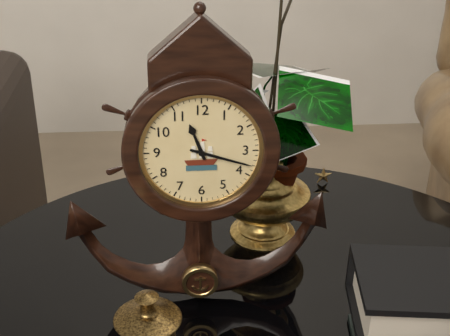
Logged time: 11.18
